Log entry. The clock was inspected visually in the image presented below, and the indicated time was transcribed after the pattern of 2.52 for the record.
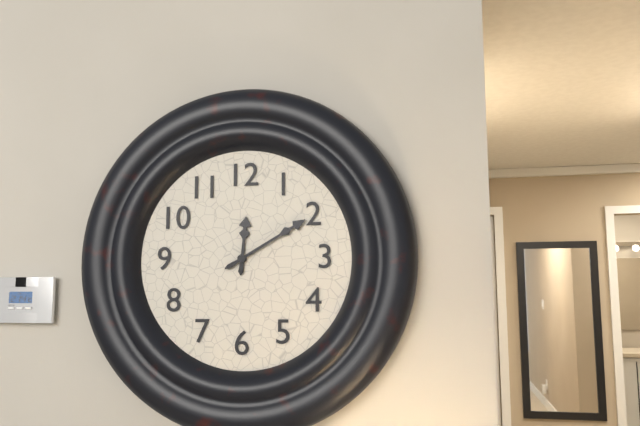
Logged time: 12.10
